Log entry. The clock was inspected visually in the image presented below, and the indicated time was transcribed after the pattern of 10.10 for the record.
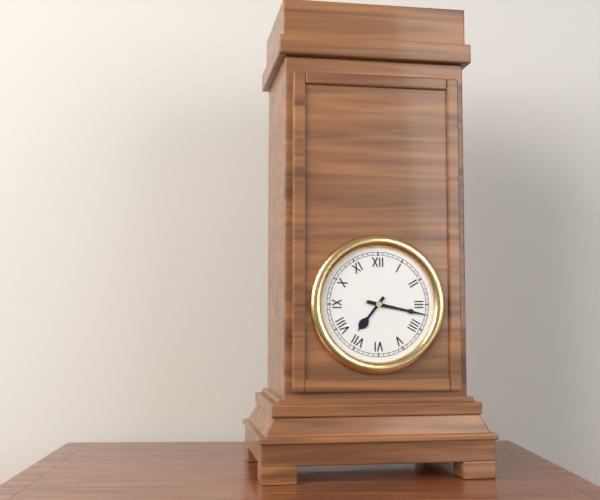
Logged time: 7.17
